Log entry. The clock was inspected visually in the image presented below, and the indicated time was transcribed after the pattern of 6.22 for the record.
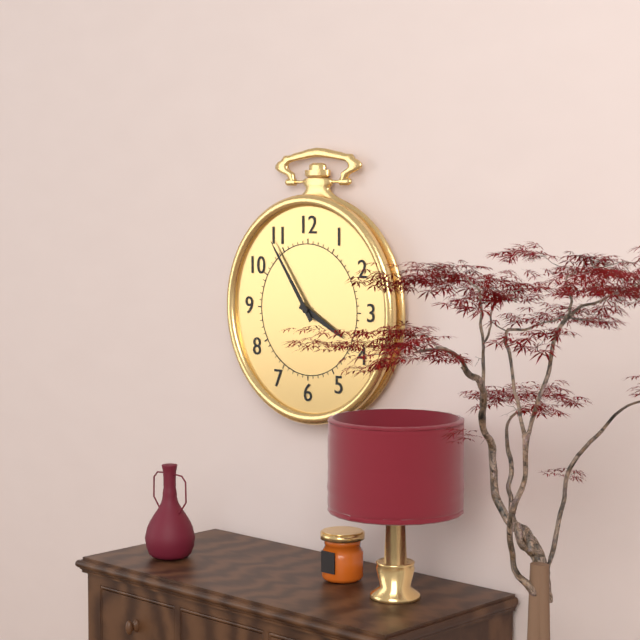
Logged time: 3.54
